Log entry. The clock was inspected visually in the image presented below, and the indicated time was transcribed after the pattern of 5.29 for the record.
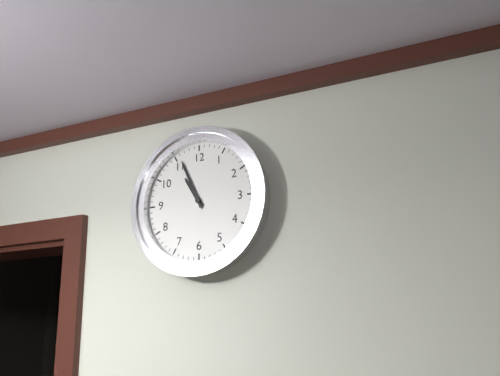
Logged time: 10.56
